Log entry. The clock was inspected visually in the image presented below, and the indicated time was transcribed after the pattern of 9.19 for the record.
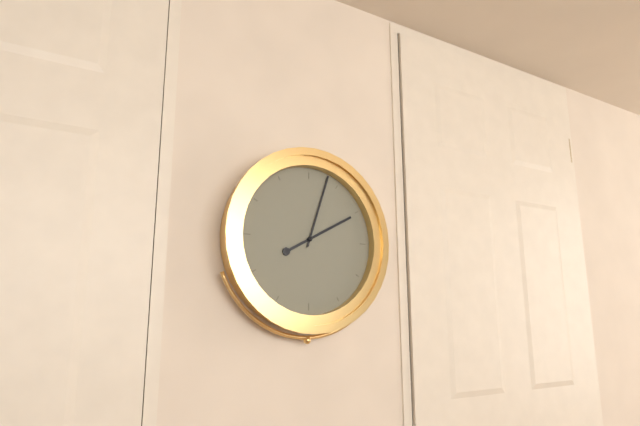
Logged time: 2.03
